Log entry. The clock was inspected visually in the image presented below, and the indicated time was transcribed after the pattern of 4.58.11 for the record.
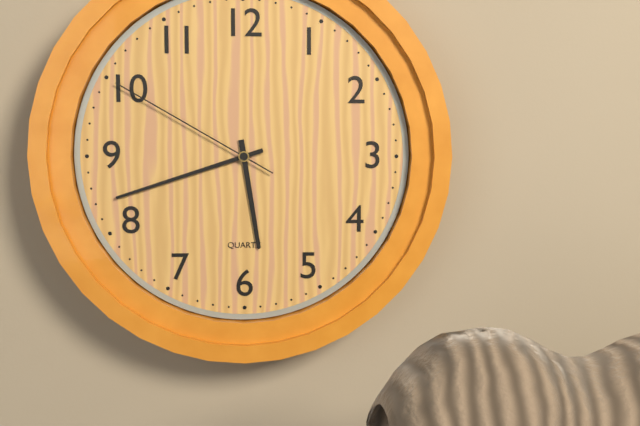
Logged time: 5.42.50
